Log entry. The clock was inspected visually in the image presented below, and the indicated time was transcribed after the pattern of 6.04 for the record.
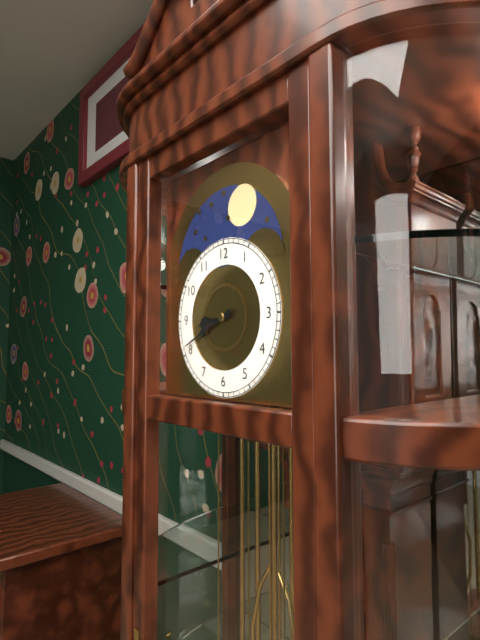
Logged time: 8.41
